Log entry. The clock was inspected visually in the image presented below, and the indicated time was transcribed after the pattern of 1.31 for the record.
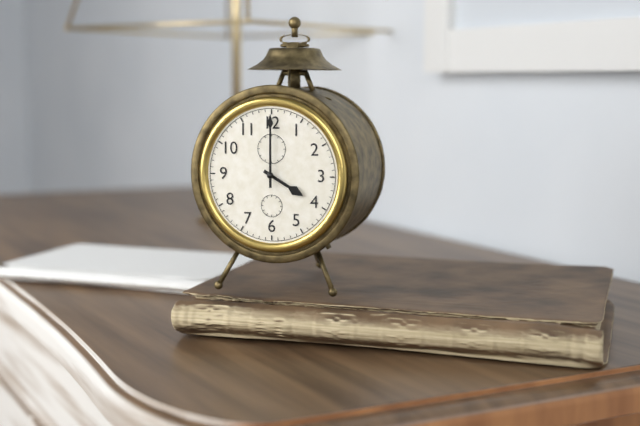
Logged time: 4.00
